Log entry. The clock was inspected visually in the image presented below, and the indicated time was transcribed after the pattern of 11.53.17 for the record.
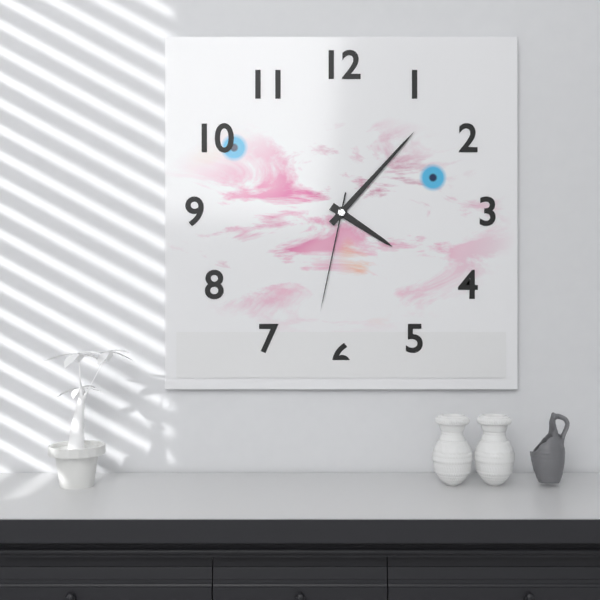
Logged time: 4.07.32
